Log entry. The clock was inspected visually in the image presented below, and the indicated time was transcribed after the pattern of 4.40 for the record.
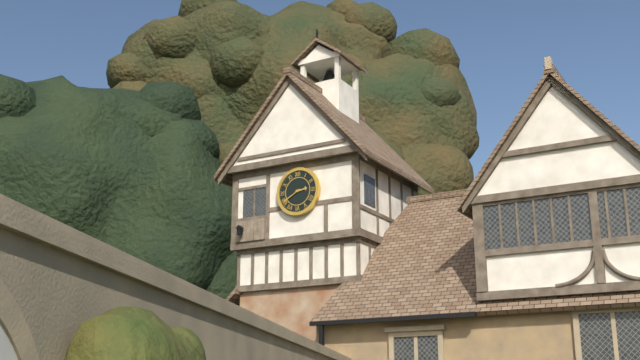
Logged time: 2.40
